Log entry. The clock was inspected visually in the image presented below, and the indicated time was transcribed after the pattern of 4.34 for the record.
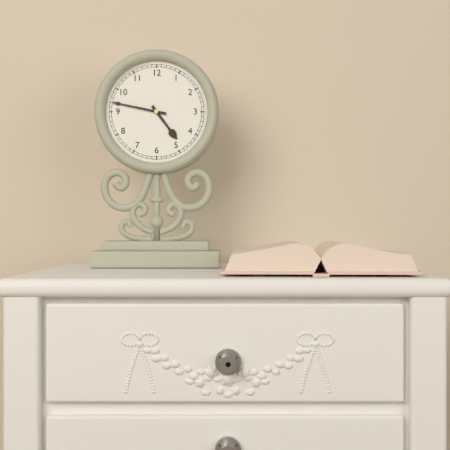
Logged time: 4.47
